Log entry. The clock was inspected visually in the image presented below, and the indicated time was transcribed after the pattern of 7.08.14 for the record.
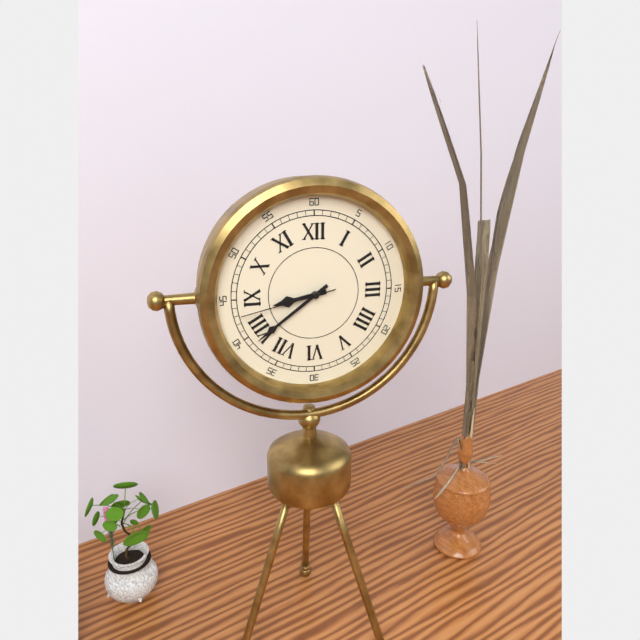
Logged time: 8.39.43
